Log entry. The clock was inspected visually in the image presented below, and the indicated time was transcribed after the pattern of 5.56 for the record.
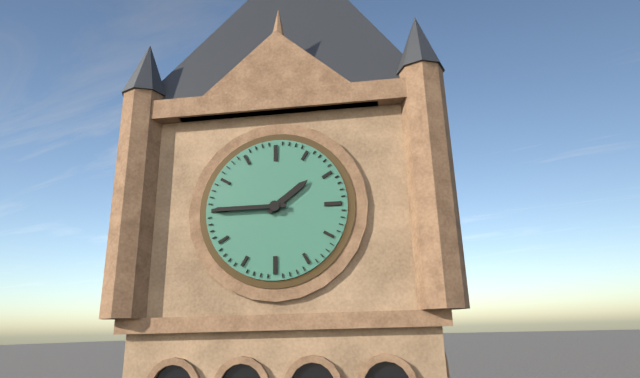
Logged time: 1.45
